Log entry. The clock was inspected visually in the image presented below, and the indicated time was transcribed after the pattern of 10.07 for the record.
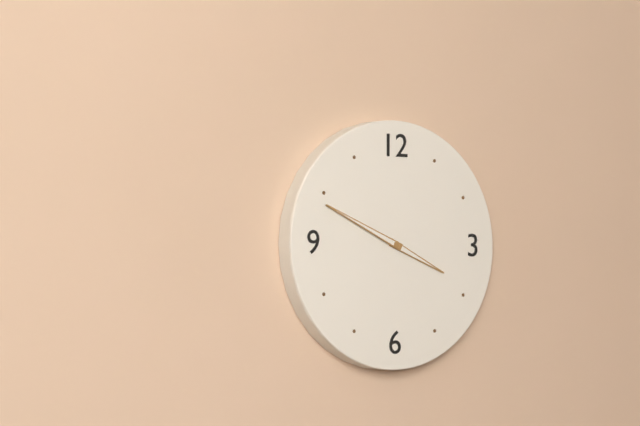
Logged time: 3.49
